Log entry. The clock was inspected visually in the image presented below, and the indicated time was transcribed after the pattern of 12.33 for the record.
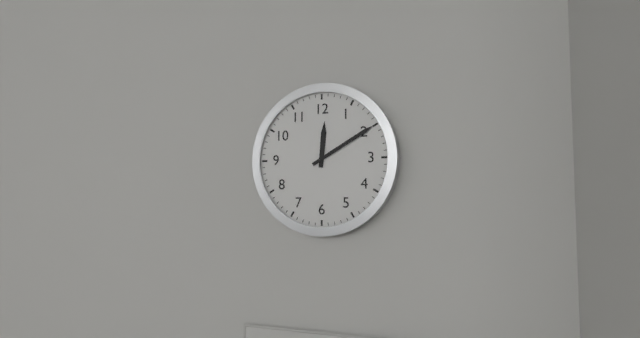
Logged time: 12.10
